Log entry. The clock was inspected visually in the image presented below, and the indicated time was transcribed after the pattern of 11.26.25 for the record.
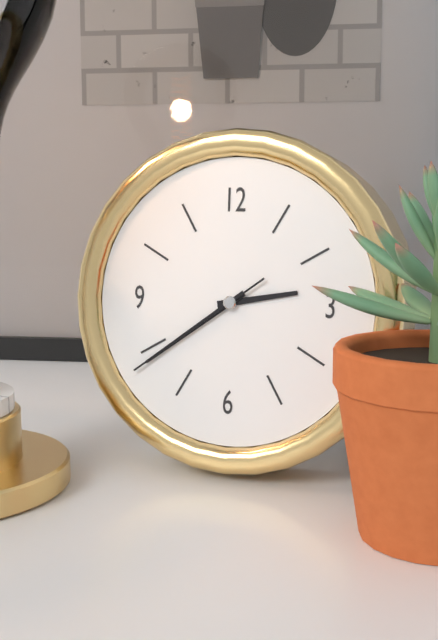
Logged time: 2.39.39
